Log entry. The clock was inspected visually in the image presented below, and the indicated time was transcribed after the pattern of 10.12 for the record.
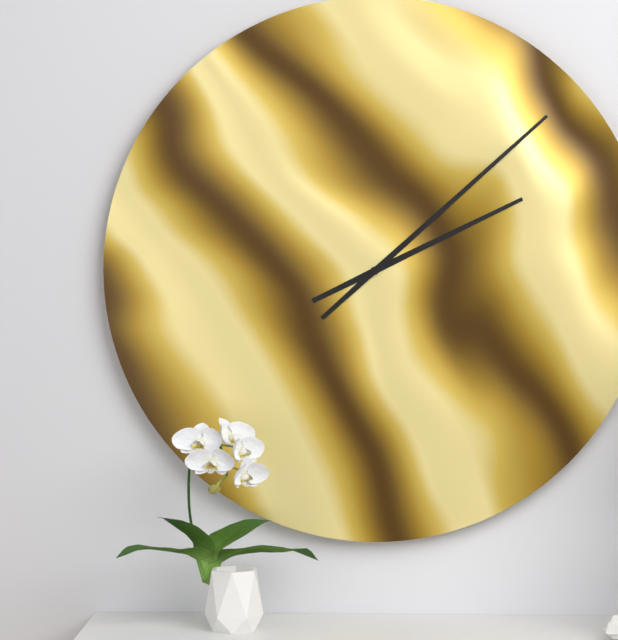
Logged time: 2.08
